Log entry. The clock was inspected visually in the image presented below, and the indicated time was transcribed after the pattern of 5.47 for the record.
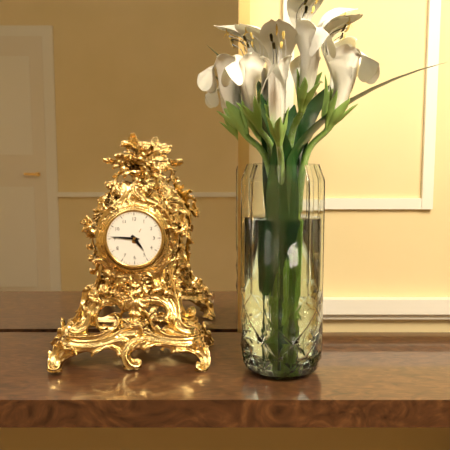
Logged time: 4.46
